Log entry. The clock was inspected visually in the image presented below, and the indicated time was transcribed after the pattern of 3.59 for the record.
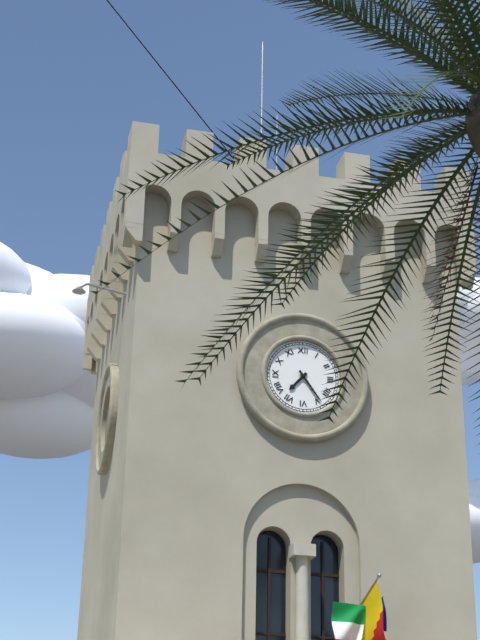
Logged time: 7.24
